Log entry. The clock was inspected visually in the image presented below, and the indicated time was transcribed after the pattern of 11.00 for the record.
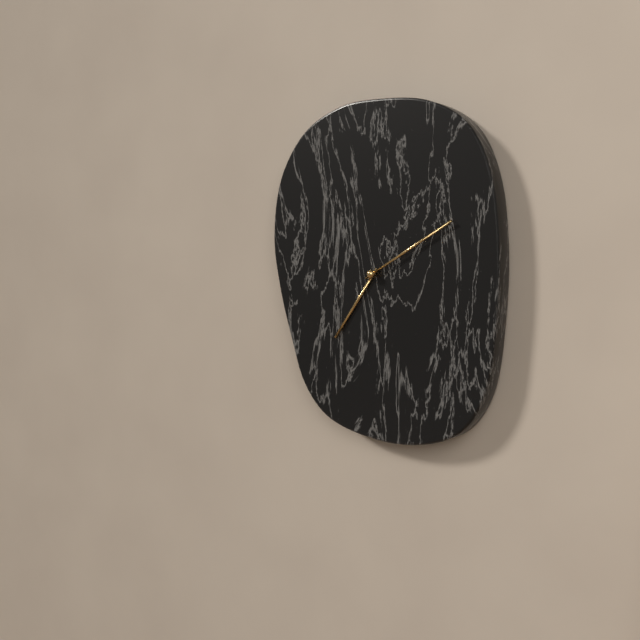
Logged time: 7.10
